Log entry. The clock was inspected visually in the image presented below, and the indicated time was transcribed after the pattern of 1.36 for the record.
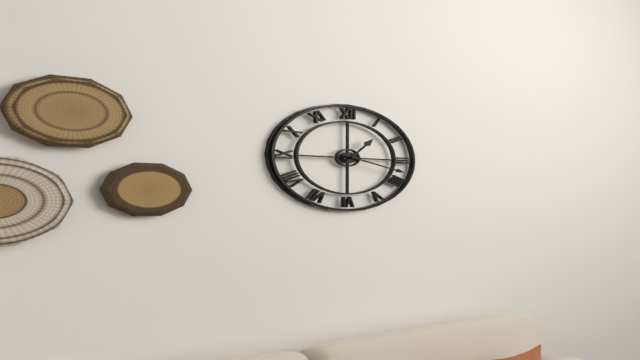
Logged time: 1.18
